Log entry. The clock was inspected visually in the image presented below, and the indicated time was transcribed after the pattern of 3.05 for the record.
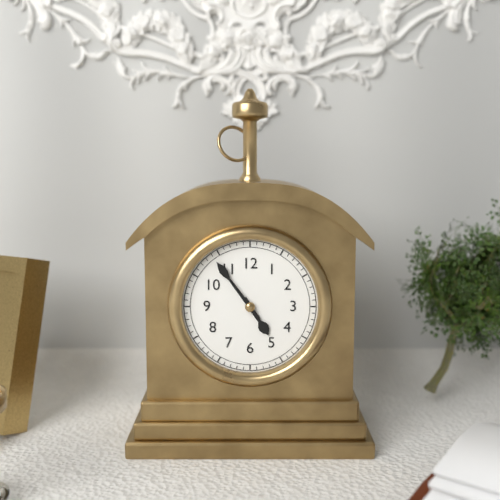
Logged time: 4.54
